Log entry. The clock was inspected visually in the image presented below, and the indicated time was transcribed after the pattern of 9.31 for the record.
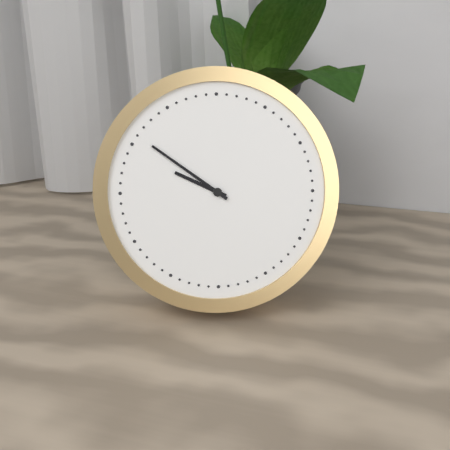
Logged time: 9.51
